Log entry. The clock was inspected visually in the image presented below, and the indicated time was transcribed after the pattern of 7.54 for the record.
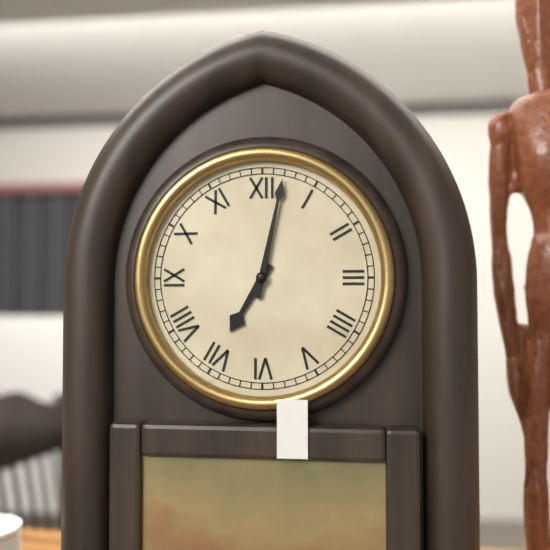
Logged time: 7.02
